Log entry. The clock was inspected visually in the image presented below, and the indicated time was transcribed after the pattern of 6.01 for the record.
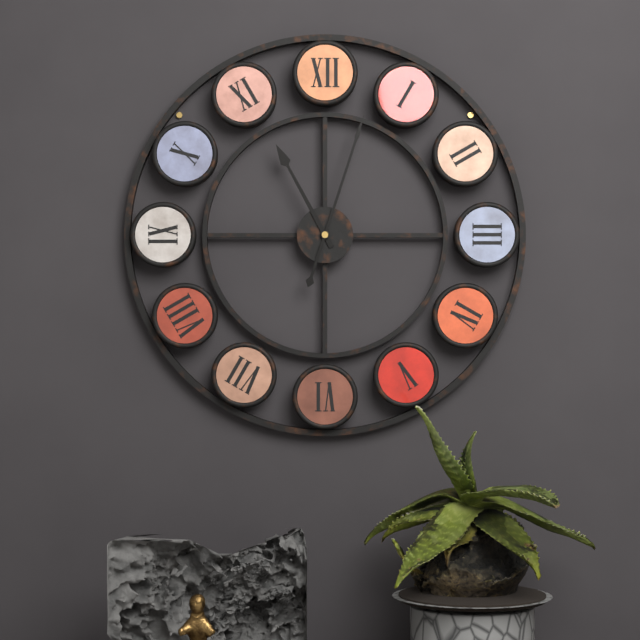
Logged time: 11.03
